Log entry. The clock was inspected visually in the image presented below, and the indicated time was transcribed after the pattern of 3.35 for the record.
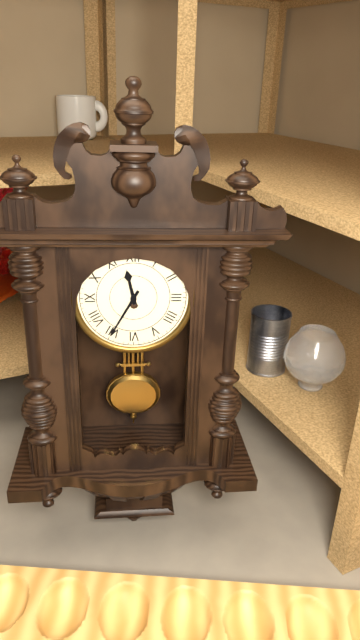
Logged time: 11.35
